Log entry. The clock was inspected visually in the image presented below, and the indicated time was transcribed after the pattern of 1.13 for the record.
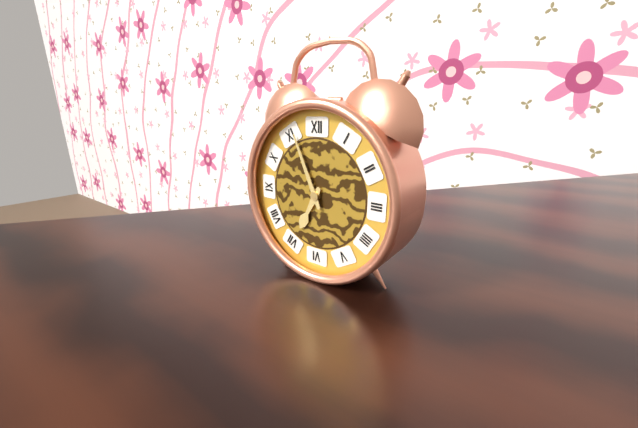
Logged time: 6.56
